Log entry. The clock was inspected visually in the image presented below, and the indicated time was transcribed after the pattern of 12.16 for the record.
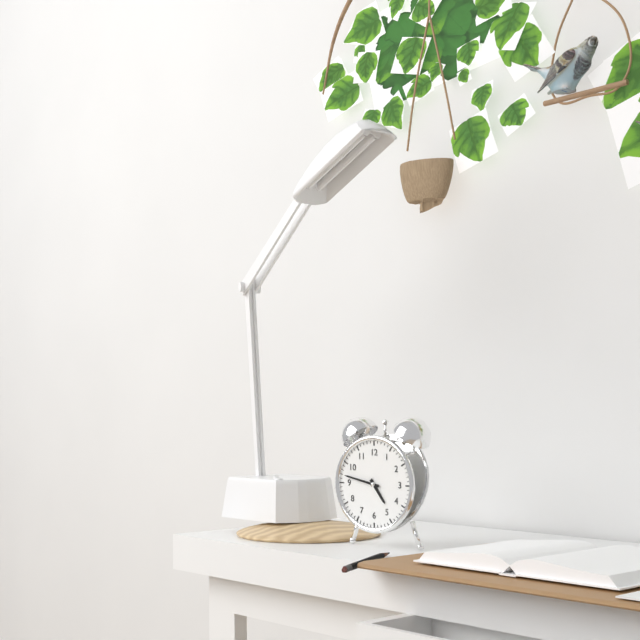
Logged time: 4.47
